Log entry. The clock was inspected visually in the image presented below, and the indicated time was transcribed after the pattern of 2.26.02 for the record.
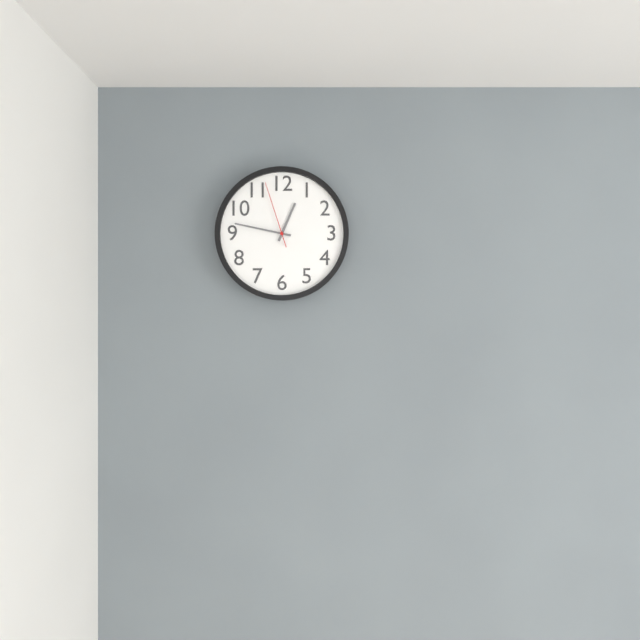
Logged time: 12.47.57
